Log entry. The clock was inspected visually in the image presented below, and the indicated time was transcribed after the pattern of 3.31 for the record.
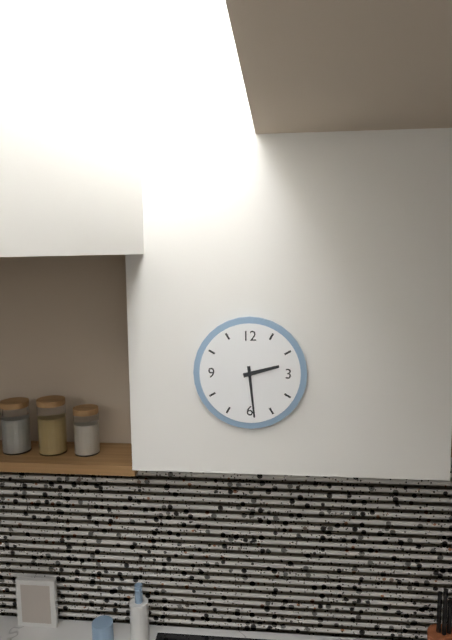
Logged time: 2.29
